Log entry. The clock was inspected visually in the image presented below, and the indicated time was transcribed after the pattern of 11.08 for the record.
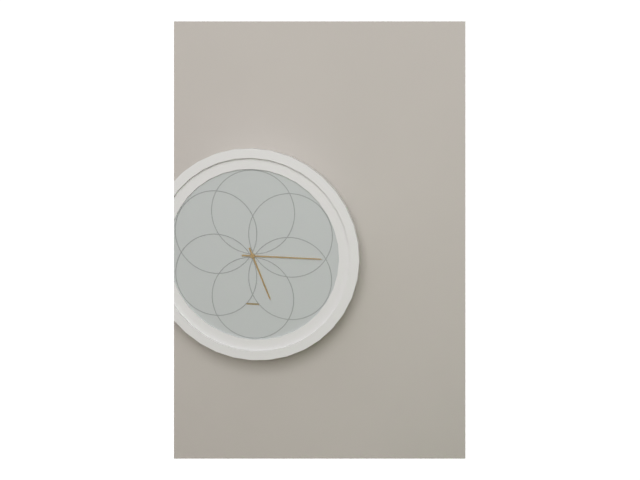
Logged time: 5.15
